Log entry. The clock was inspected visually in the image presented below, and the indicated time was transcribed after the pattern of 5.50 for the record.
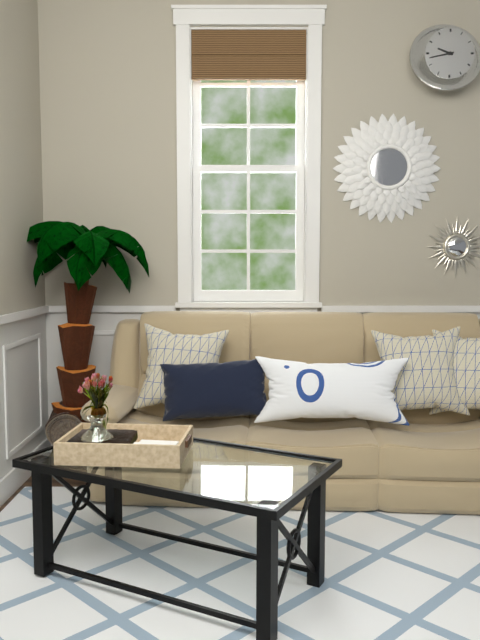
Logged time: 9.43
